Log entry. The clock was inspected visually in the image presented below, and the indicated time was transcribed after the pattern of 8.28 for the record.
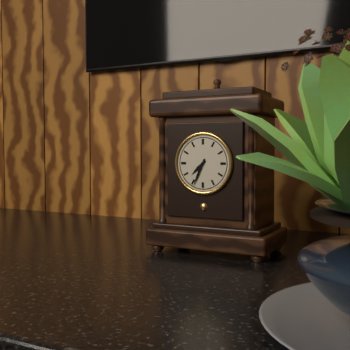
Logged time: 7.34
